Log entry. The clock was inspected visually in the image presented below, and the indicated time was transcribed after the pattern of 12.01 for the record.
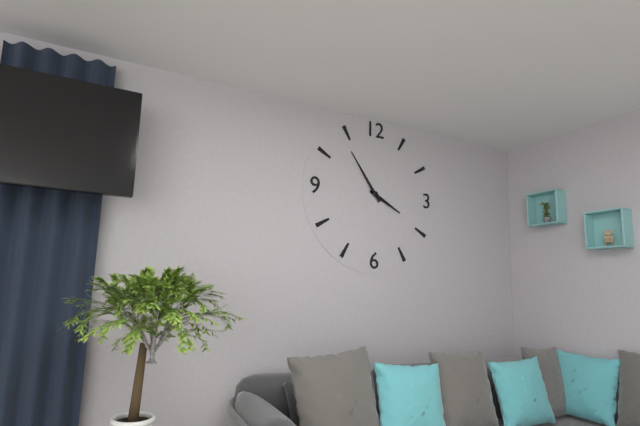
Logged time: 3.54
